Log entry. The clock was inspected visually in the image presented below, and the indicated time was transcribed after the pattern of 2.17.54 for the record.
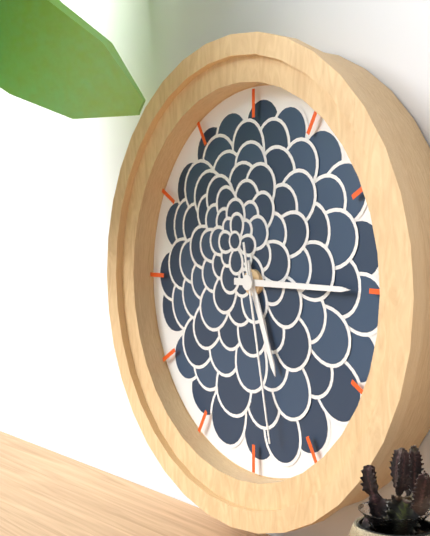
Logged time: 5.15.28
